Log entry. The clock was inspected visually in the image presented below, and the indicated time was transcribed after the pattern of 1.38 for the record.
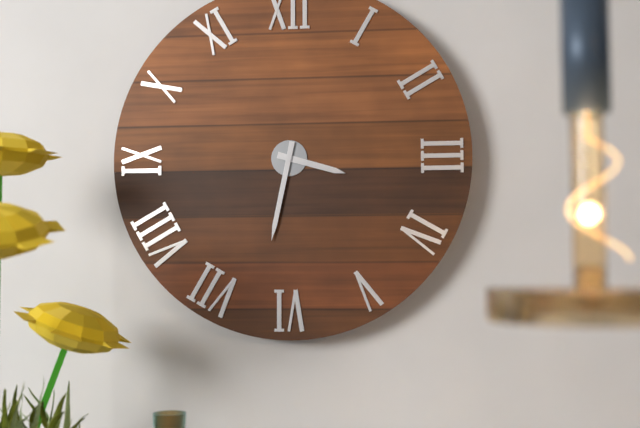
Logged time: 3.32
